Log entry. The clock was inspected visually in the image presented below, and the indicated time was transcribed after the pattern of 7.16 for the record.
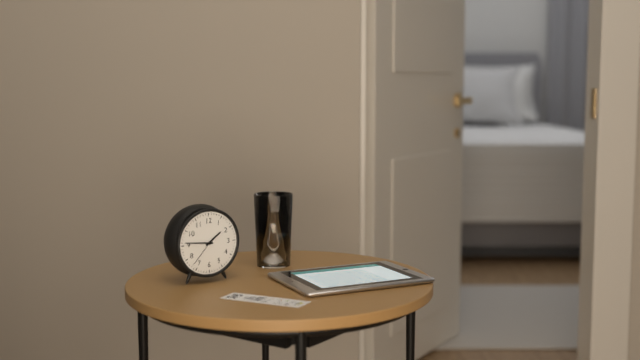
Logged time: 1.46
